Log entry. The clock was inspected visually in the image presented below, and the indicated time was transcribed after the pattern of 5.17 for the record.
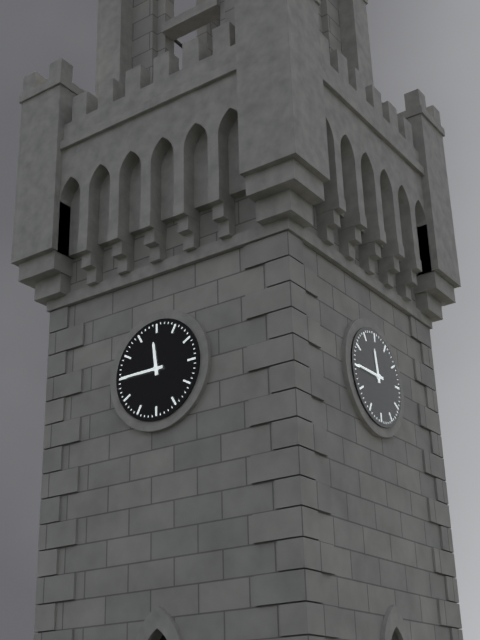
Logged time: 11.45
